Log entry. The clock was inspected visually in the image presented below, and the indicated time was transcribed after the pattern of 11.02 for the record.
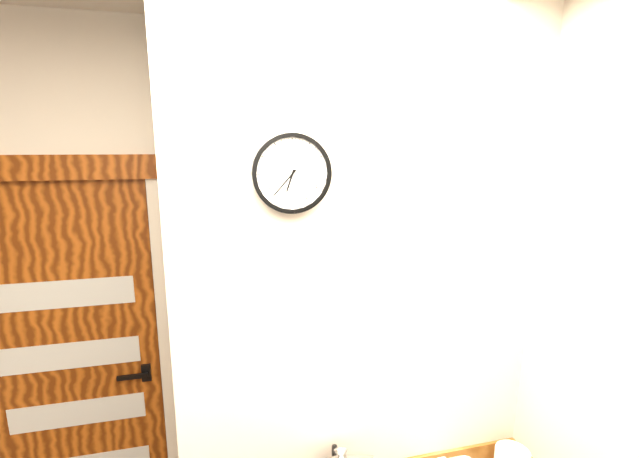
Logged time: 6.37
